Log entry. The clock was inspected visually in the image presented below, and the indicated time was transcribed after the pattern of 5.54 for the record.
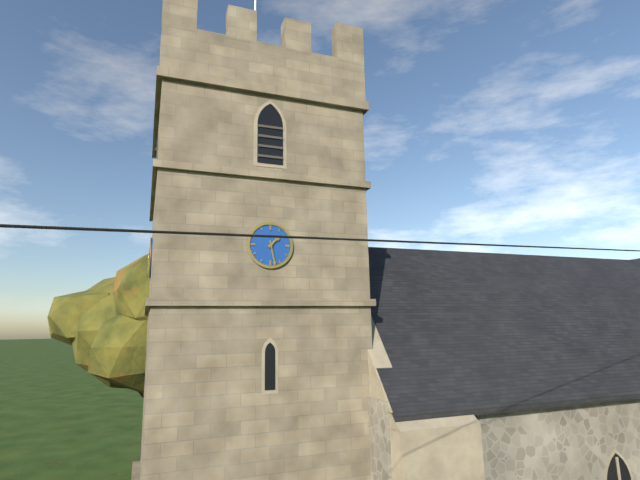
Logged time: 1.28
